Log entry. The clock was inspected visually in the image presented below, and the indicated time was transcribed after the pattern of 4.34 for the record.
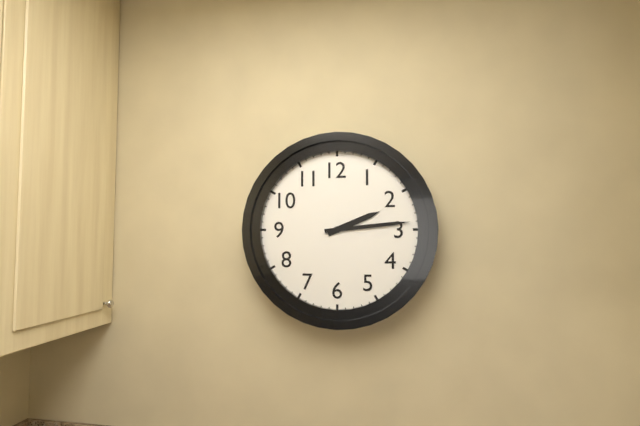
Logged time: 2.14
